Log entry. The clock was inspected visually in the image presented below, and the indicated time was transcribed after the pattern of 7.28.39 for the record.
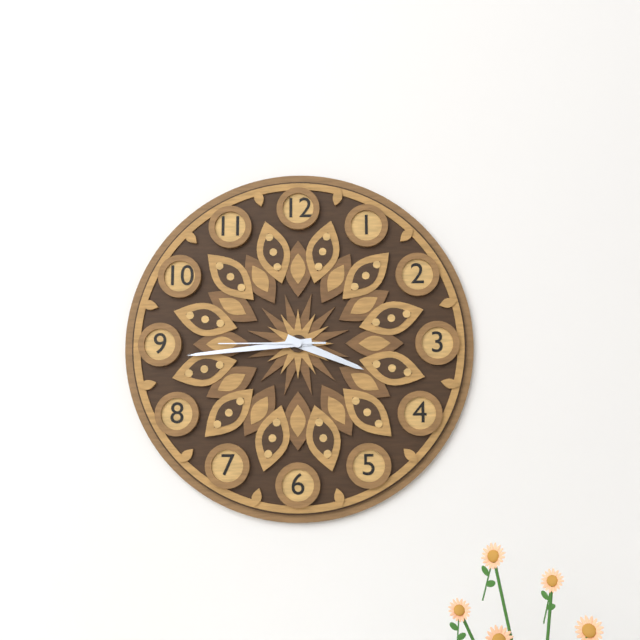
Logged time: 3.44.45
